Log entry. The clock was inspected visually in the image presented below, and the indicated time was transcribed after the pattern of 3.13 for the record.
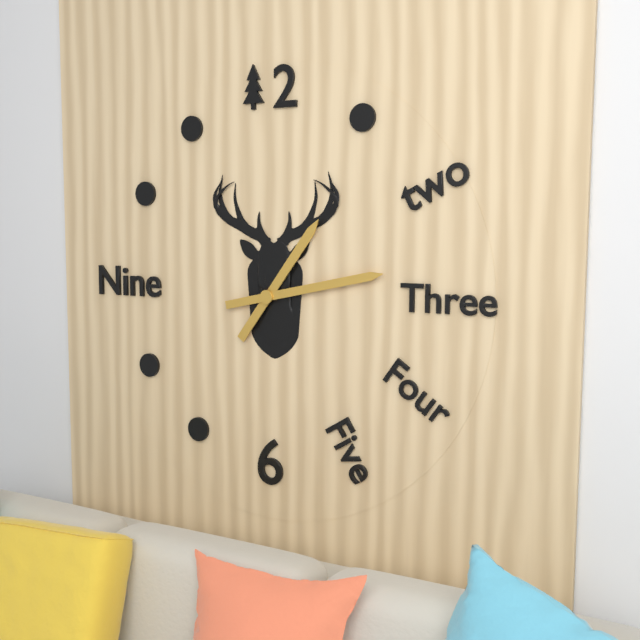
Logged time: 1.13
